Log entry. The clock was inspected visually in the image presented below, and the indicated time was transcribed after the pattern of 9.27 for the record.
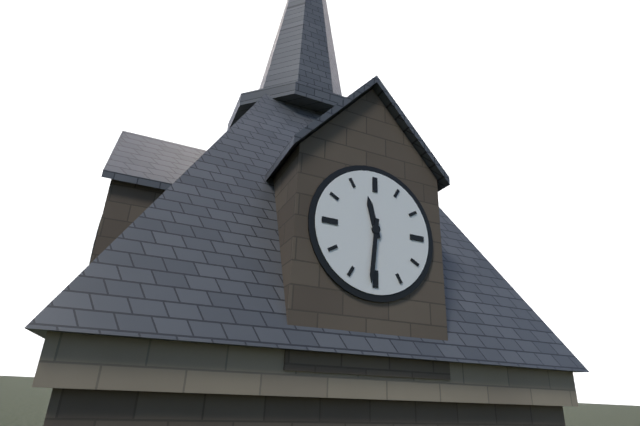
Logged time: 11.31
